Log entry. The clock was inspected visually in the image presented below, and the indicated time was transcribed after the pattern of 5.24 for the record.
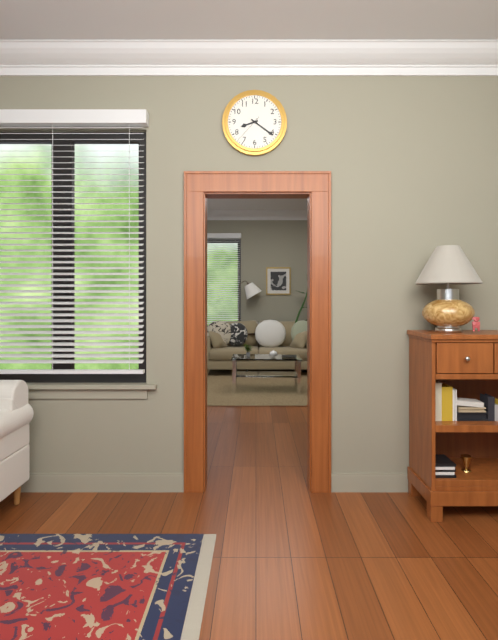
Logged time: 8.21
